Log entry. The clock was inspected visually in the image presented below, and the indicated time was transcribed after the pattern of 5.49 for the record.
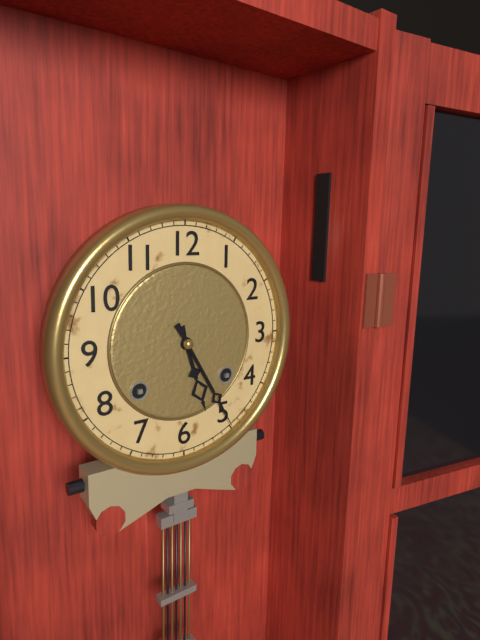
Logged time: 5.25
